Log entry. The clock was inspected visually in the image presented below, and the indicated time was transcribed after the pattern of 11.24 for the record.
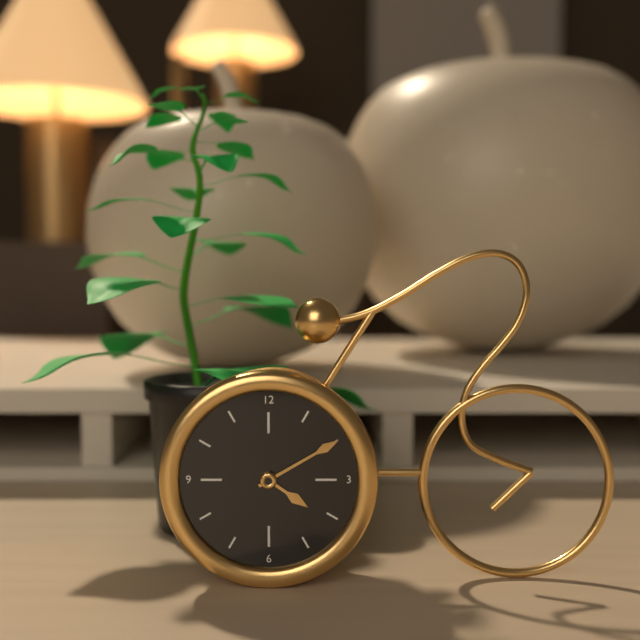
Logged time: 4.10
